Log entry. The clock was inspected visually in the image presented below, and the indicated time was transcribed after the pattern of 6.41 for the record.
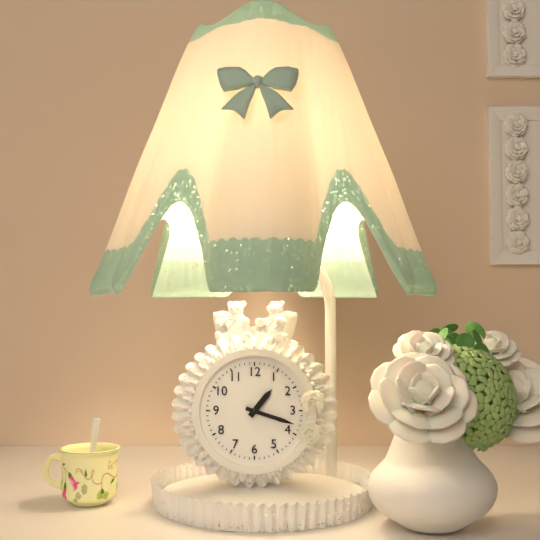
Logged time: 1.18
